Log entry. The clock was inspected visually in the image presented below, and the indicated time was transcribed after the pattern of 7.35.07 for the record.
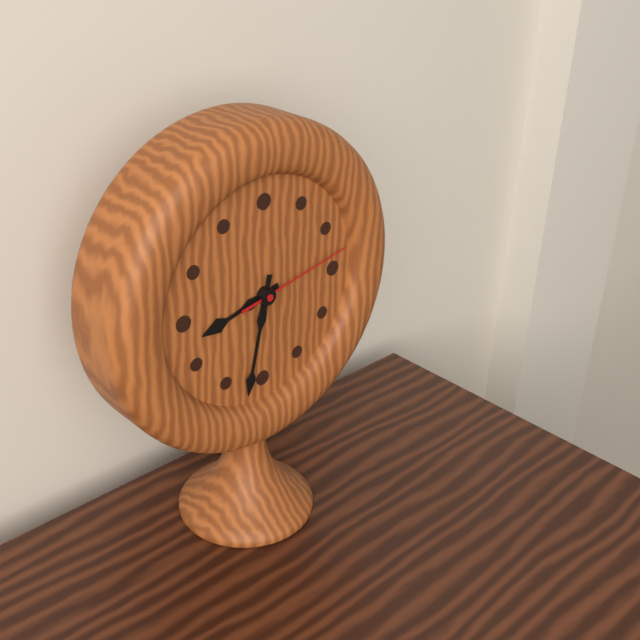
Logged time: 8.32.13
